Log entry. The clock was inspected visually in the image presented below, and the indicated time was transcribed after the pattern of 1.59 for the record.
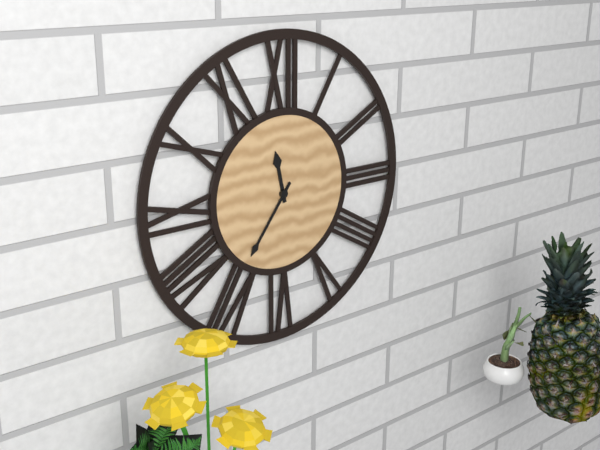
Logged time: 11.36
